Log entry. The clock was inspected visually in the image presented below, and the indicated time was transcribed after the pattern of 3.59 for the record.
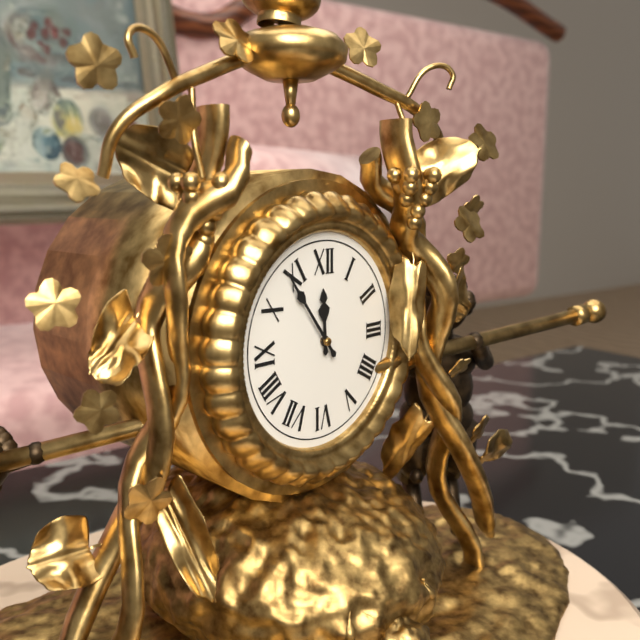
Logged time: 11.54
